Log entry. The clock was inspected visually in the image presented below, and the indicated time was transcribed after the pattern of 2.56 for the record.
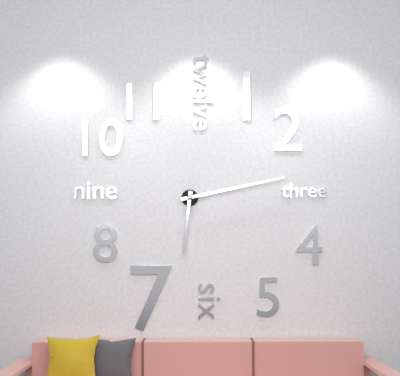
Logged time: 6.13
